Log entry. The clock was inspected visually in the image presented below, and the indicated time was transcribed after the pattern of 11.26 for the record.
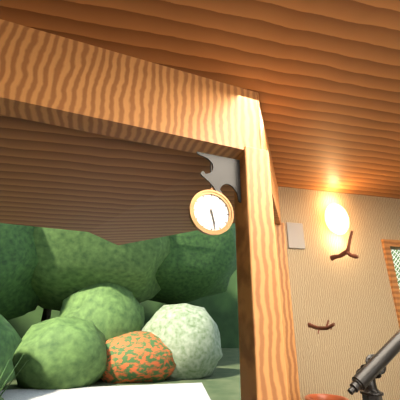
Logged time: 5.28
